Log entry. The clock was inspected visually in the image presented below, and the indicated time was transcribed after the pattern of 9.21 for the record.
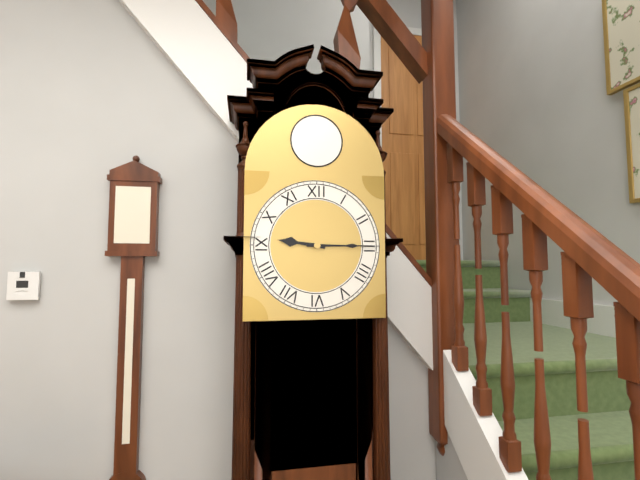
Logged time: 9.15
